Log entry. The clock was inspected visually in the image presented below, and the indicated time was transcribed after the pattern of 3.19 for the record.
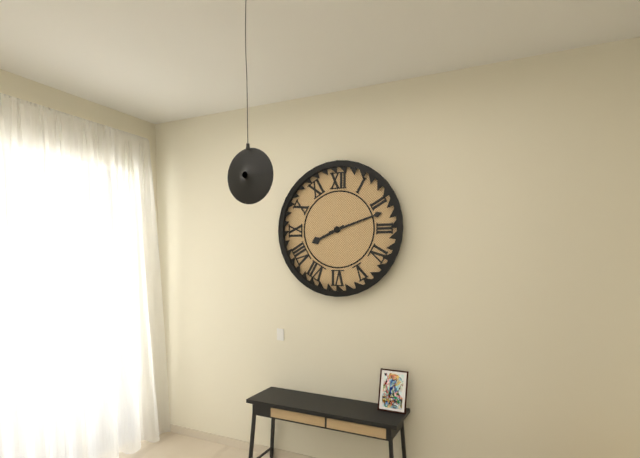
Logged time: 8.12
